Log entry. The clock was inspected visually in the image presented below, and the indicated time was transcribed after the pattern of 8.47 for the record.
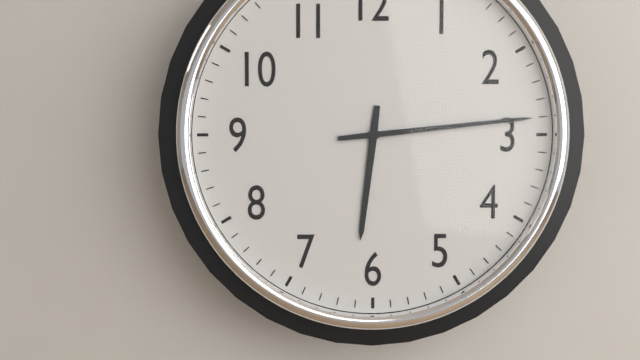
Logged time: 6.14
